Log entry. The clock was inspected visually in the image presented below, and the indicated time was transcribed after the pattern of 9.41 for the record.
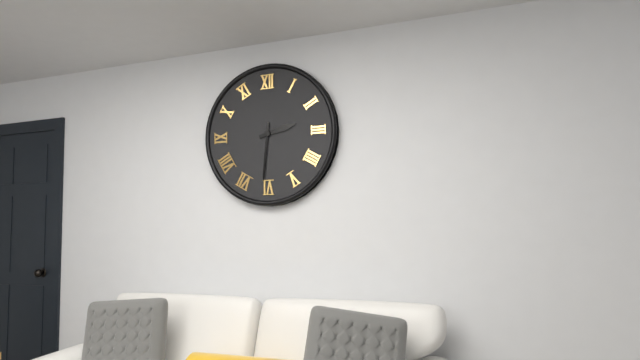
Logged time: 2.31
